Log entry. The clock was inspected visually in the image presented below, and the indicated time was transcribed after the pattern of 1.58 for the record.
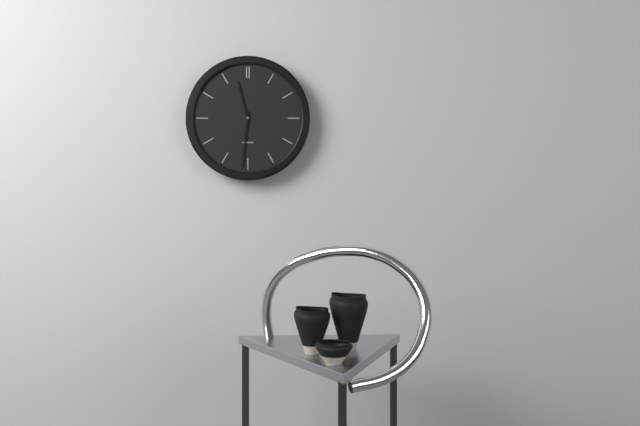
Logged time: 11.31
